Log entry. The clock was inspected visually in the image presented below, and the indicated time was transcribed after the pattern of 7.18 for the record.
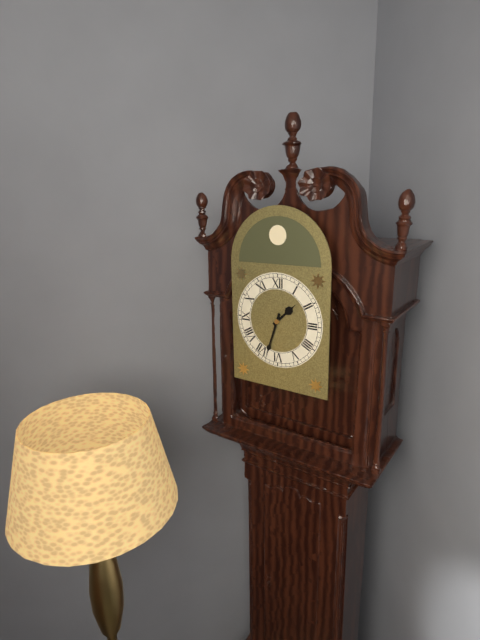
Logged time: 1.33
